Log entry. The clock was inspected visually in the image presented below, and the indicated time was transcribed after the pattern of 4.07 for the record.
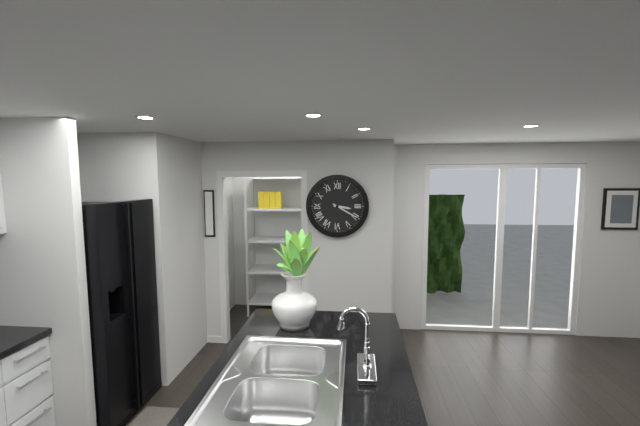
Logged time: 3.20
